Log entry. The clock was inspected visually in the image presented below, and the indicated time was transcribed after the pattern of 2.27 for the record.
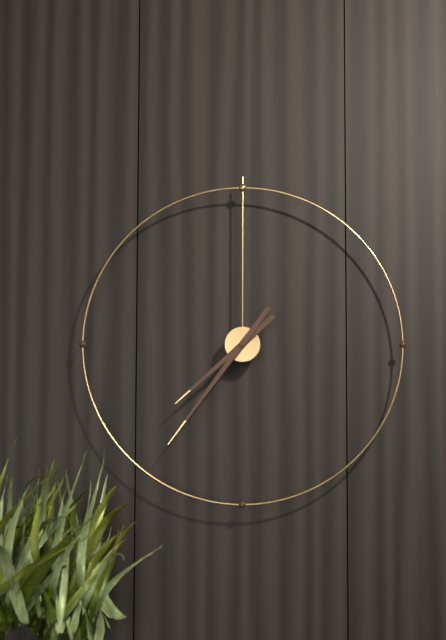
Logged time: 7.36
